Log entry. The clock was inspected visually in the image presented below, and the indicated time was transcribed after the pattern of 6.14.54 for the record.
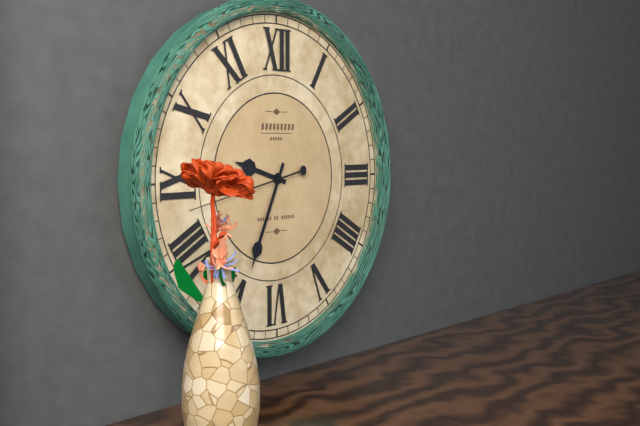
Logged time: 9.34.43
